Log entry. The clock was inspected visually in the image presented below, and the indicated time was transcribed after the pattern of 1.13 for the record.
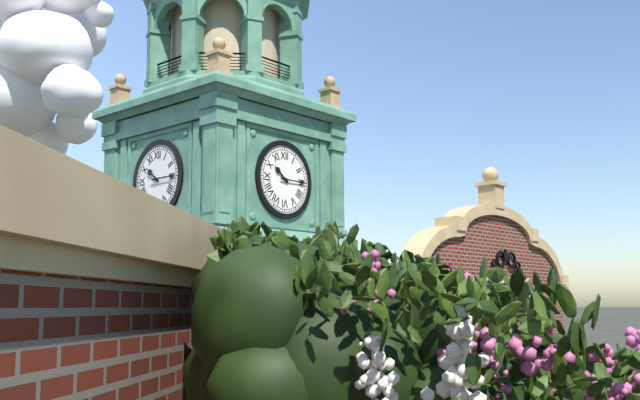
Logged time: 10.15
